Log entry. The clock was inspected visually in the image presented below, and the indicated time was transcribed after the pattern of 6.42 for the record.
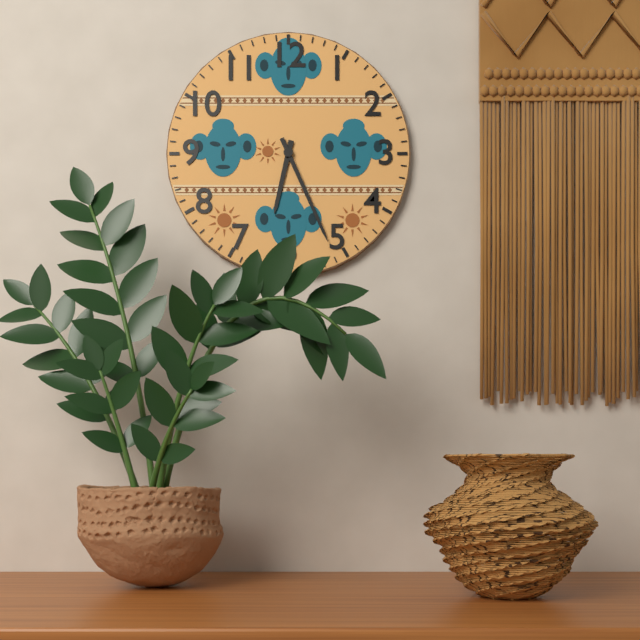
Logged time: 6.26
